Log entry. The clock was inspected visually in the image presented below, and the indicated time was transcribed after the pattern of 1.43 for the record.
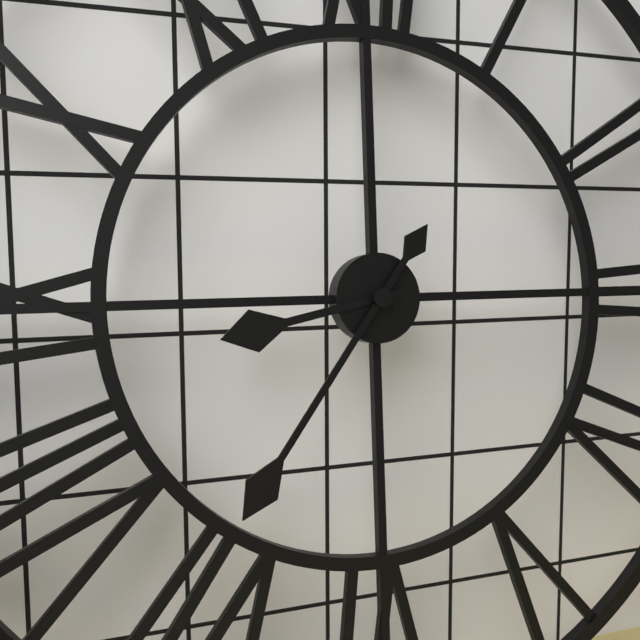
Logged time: 8.36
